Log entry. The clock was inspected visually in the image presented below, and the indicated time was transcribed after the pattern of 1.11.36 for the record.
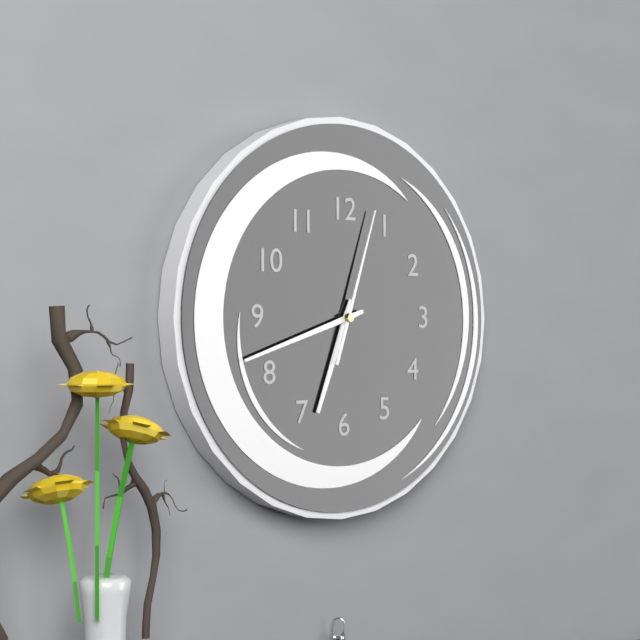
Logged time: 6.42.03
